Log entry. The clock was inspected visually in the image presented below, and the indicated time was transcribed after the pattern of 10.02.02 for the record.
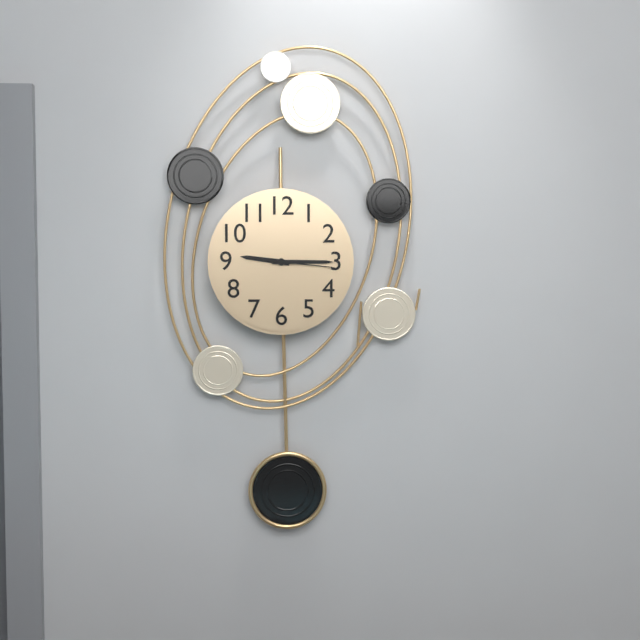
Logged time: 9.15.16
